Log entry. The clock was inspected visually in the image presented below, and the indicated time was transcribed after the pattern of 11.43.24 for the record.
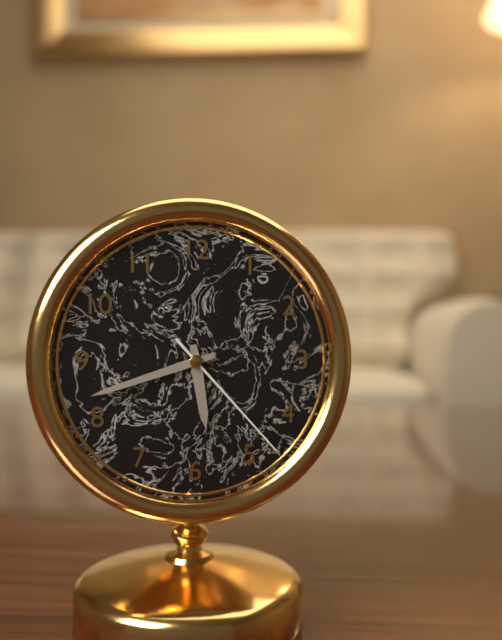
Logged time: 5.42.23
